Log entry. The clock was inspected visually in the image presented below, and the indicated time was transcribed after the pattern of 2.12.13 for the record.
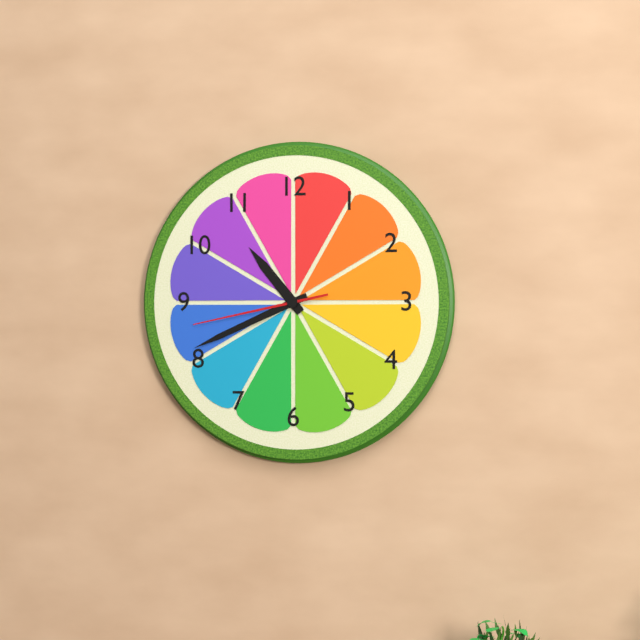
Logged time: 10.41.43
